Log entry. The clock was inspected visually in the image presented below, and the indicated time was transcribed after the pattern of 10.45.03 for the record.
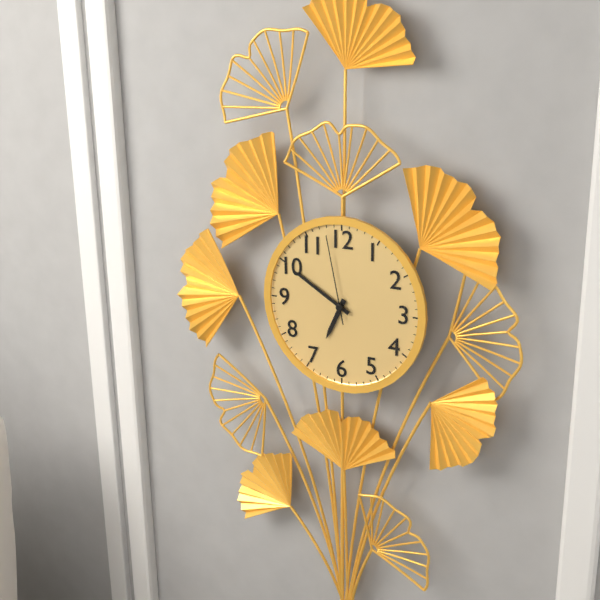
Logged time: 6.50.58
